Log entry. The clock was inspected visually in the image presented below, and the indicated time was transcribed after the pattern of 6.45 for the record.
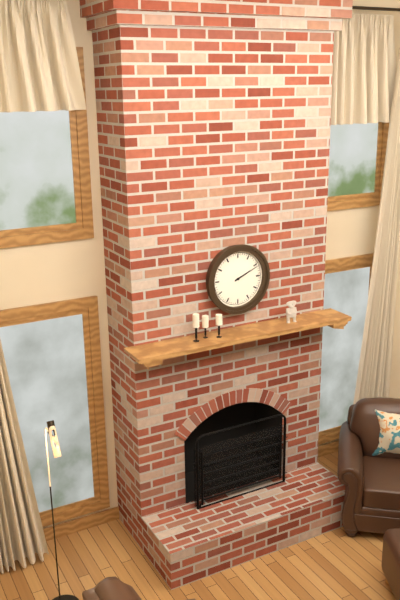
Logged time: 2.11
